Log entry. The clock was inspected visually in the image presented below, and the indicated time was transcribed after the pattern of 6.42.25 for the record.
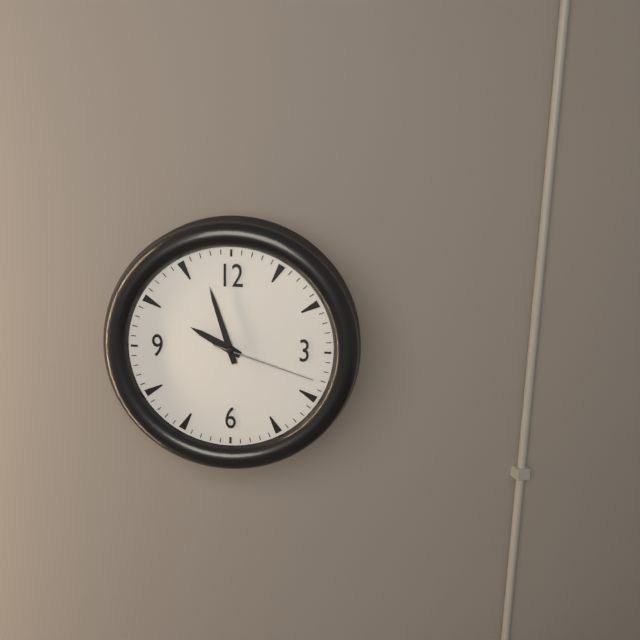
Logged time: 9.57.18
